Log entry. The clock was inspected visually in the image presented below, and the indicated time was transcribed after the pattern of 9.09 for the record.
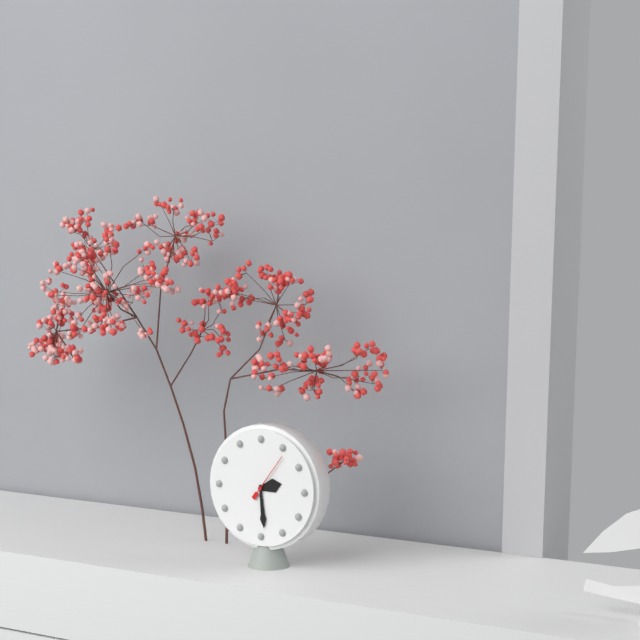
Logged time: 2.29
